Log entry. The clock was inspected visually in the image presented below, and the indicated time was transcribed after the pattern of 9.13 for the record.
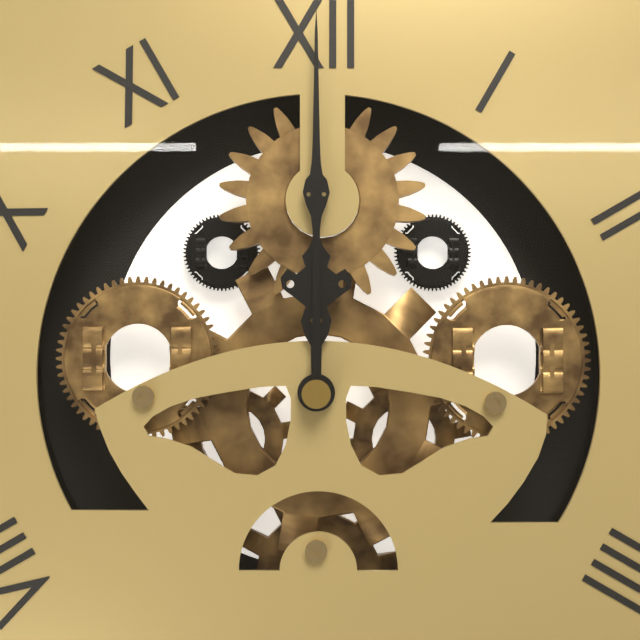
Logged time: 12.00
